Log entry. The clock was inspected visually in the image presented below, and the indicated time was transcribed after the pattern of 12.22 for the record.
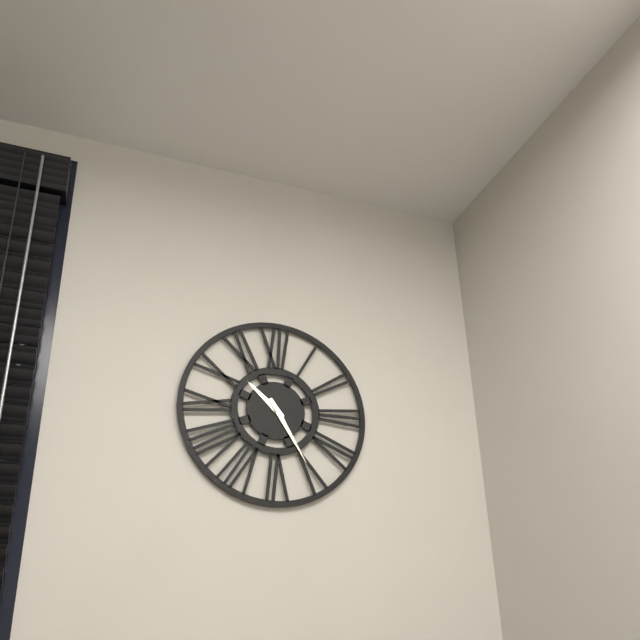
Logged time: 10.25
